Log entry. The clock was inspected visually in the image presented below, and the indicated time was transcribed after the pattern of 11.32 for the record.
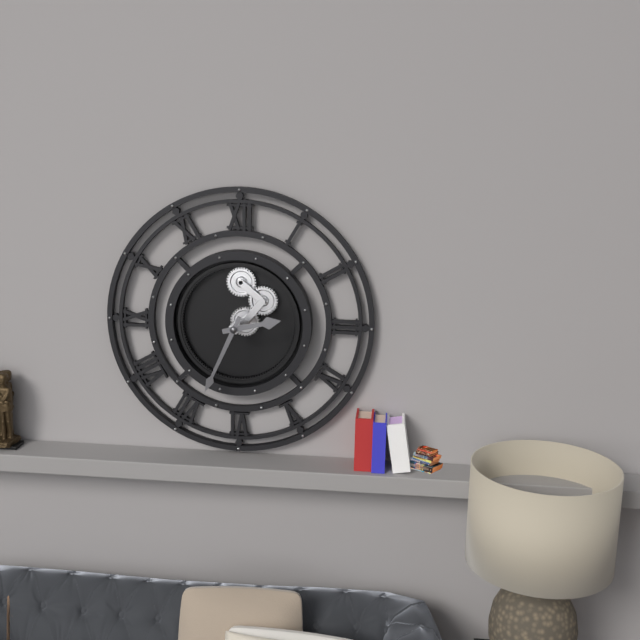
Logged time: 2.34
